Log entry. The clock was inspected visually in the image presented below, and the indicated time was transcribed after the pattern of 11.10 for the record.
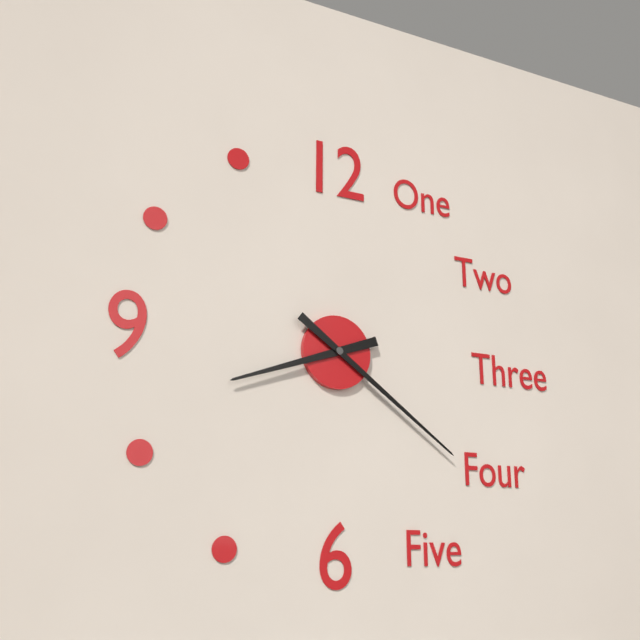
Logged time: 8.21
